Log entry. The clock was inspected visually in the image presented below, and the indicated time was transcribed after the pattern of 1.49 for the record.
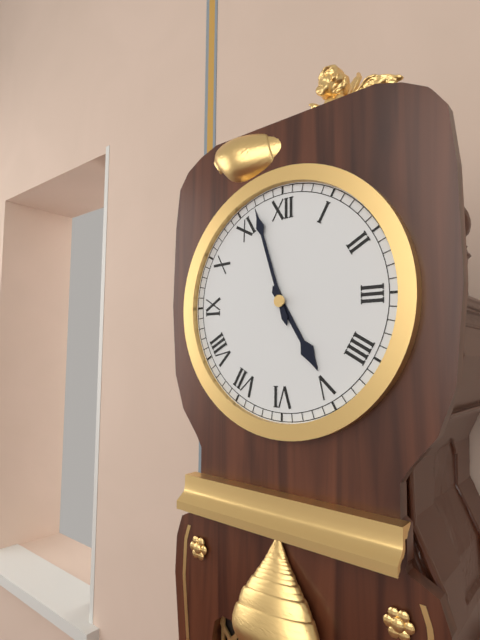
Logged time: 4.57
